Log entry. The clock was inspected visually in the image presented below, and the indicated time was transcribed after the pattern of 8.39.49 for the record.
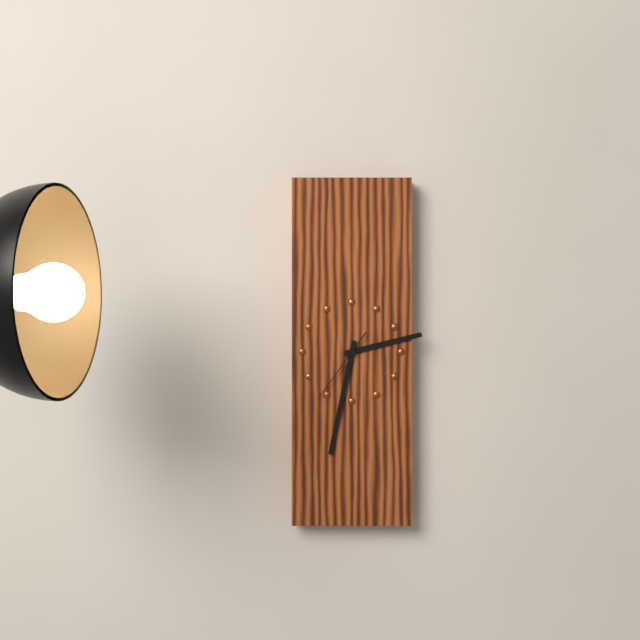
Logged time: 2.32.36
